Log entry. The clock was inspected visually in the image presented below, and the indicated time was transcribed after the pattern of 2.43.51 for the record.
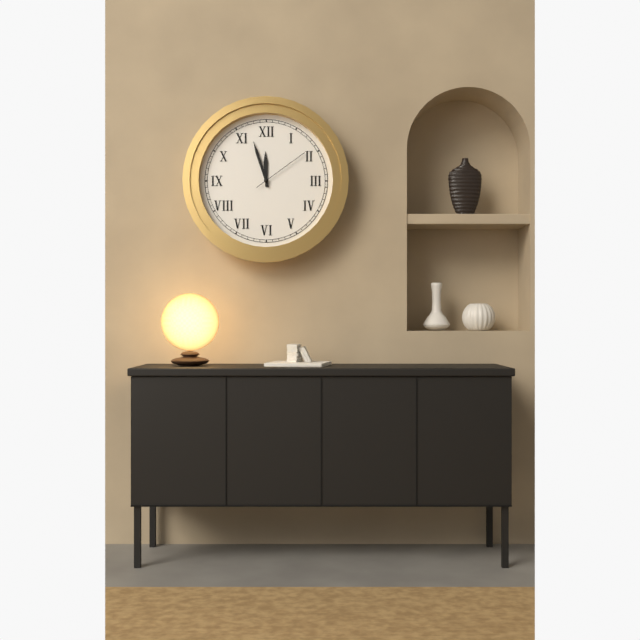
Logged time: 11.57.09
